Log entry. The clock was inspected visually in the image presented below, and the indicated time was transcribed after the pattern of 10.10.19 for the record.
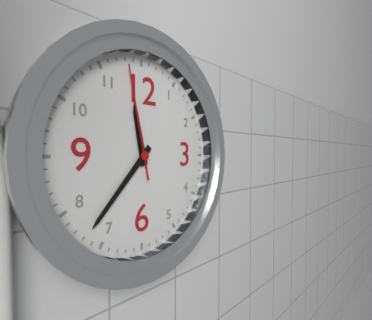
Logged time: 11.37.58
